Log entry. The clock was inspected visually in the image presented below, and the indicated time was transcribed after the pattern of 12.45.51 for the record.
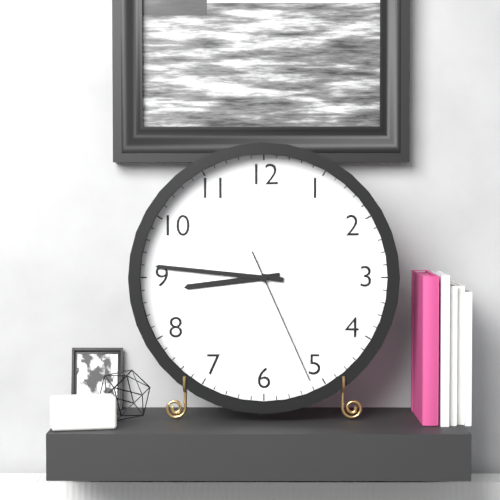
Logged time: 8.46.26
